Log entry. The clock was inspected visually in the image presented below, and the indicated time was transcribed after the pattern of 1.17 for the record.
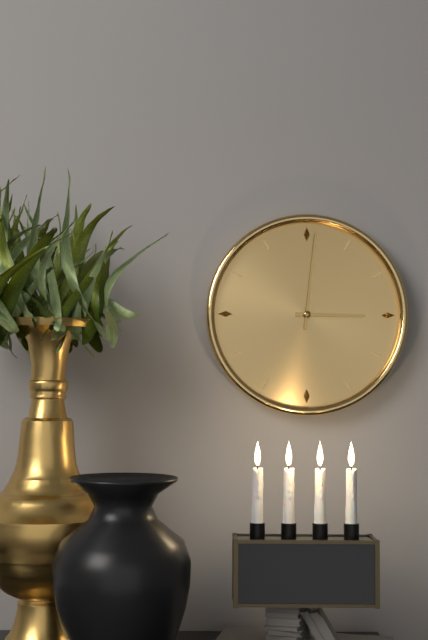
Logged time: 3.01
